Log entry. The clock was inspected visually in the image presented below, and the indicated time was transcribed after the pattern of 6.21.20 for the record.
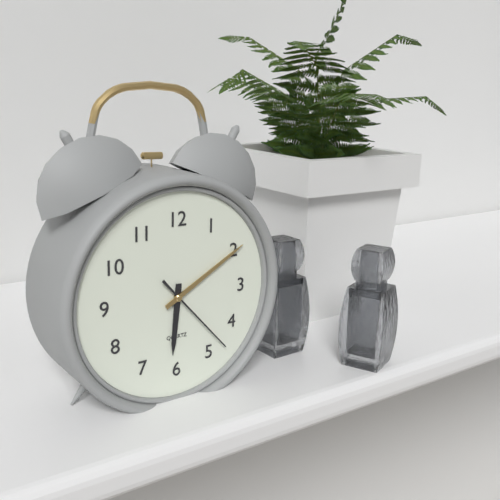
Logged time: 6.10.23
